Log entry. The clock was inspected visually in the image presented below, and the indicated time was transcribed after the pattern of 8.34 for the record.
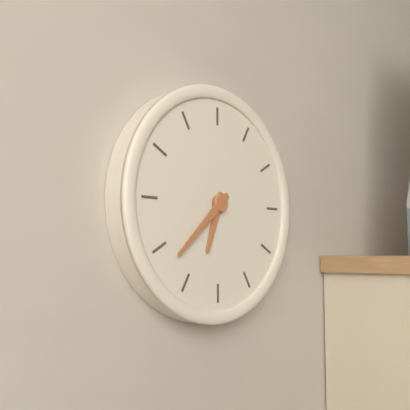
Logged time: 6.38
